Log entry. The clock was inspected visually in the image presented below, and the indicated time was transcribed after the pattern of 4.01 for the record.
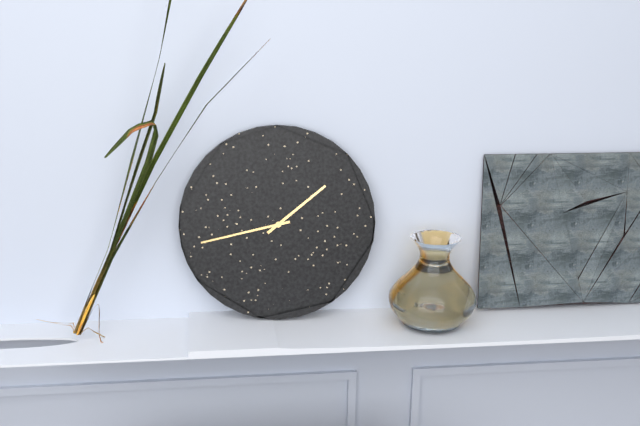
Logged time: 1.43
